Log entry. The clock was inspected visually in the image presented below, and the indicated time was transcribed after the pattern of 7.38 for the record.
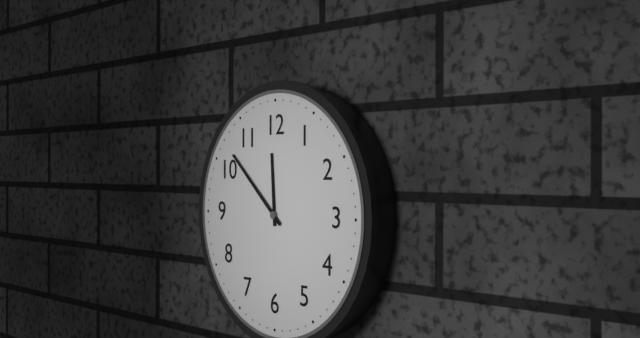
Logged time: 11.52
